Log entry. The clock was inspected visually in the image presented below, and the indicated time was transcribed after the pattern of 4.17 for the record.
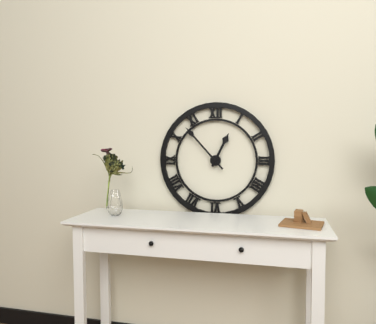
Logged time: 12.53
